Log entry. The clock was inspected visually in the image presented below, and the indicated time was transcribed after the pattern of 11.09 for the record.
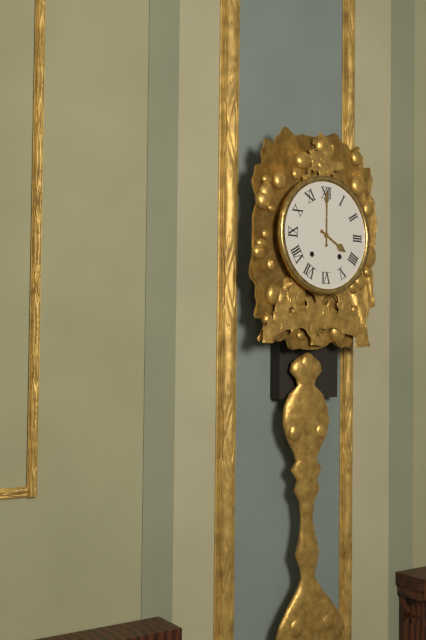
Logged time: 4.00
